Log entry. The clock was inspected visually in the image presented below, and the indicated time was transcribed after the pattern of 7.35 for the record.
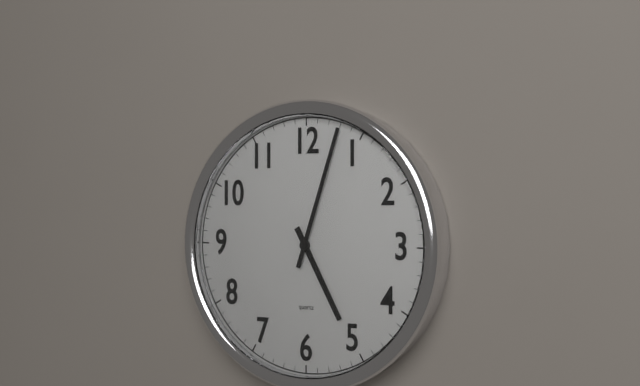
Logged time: 5.03
